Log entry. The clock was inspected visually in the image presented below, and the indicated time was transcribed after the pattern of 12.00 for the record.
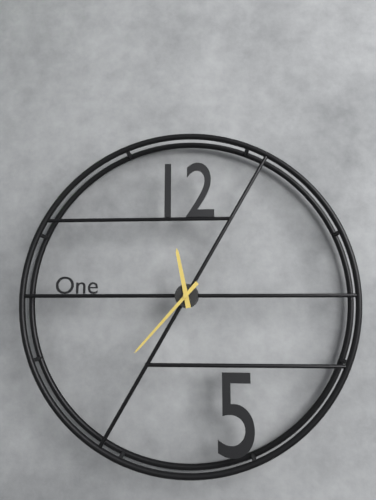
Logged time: 11.37
